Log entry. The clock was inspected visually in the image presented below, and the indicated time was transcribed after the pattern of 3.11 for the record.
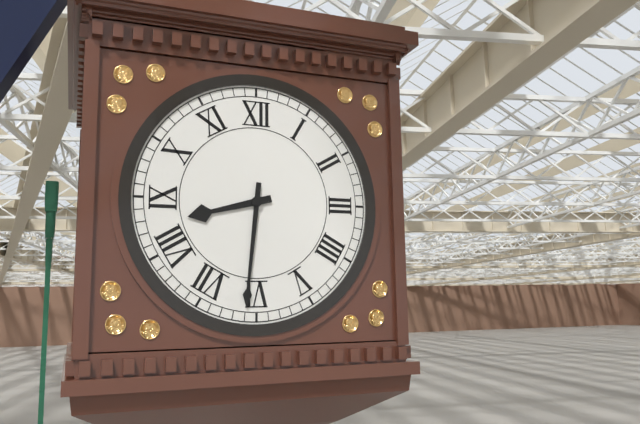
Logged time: 8.31
